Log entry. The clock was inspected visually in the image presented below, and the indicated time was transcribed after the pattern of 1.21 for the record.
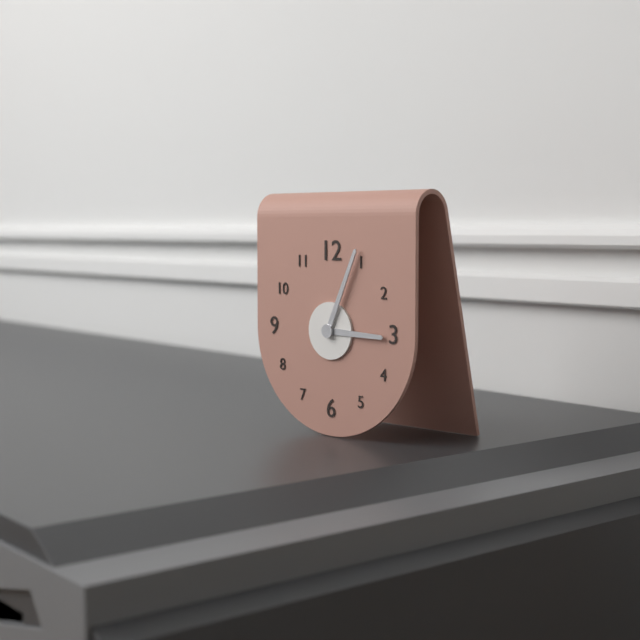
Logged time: 3.04
